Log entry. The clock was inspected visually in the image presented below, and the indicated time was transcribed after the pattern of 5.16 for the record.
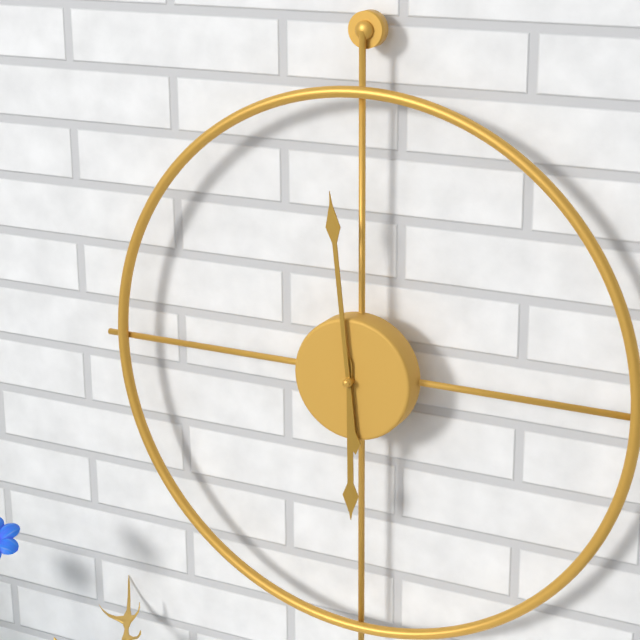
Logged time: 5.59
